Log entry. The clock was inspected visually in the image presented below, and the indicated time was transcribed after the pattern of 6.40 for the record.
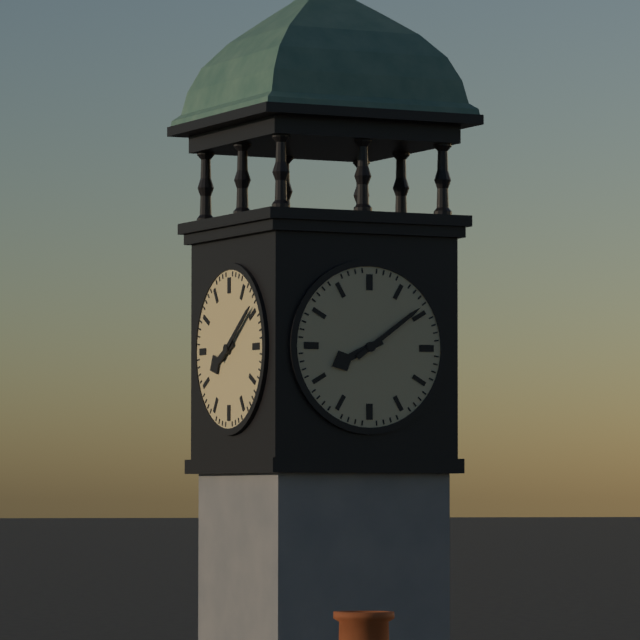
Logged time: 8.09
